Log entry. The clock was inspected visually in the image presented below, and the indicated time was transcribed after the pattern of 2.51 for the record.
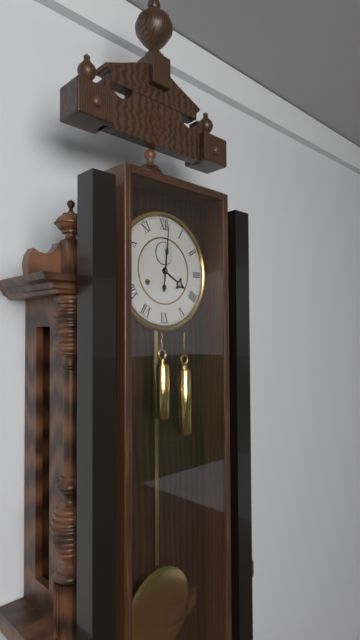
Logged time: 4.01
